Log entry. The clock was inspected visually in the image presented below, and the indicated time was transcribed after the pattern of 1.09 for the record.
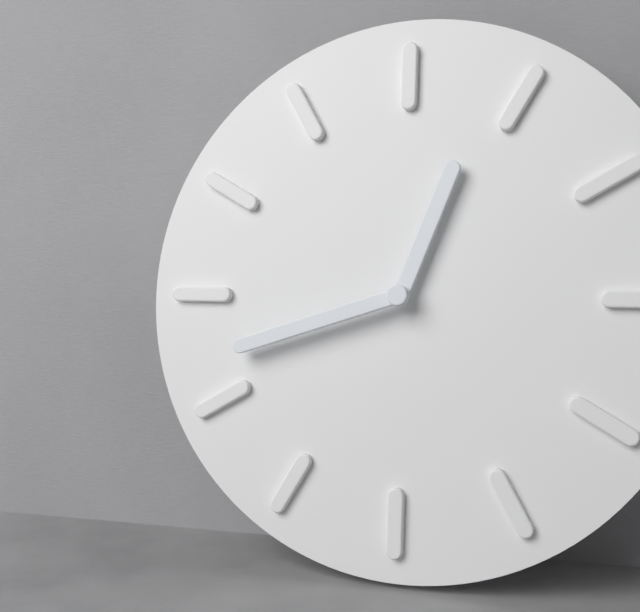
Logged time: 12.42
